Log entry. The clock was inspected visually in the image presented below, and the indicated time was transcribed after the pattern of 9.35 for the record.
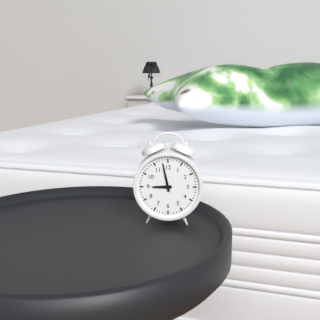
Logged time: 8.58
